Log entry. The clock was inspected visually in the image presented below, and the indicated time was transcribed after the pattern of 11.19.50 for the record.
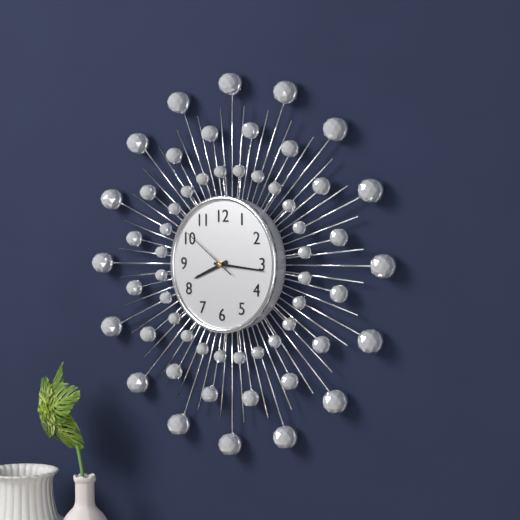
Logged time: 8.16.51
